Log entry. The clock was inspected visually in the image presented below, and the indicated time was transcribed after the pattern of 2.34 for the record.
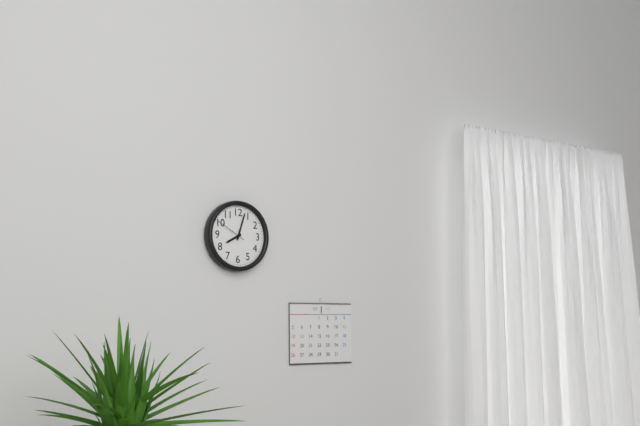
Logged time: 8.03
